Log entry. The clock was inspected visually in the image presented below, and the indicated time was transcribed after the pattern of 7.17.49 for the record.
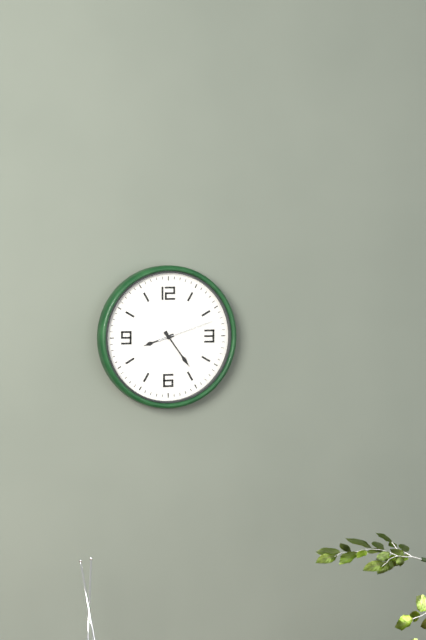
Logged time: 8.24.12
